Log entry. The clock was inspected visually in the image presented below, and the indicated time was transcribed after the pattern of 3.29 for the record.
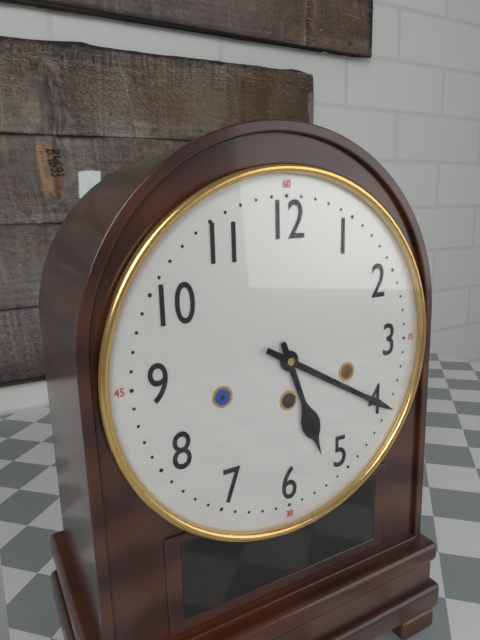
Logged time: 5.20
